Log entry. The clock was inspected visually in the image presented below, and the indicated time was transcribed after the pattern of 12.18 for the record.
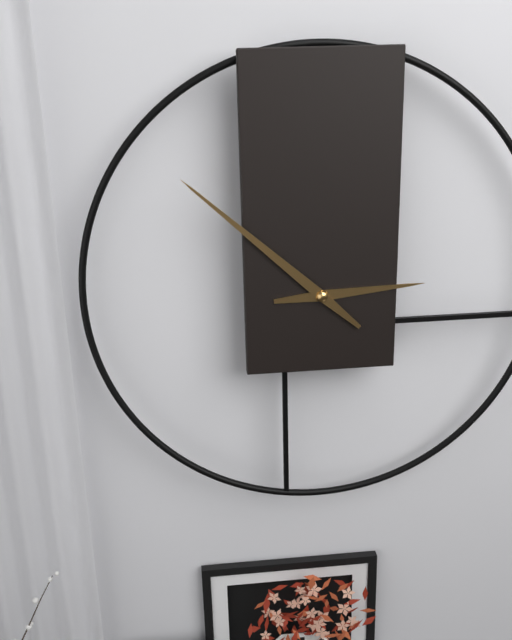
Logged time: 2.52
